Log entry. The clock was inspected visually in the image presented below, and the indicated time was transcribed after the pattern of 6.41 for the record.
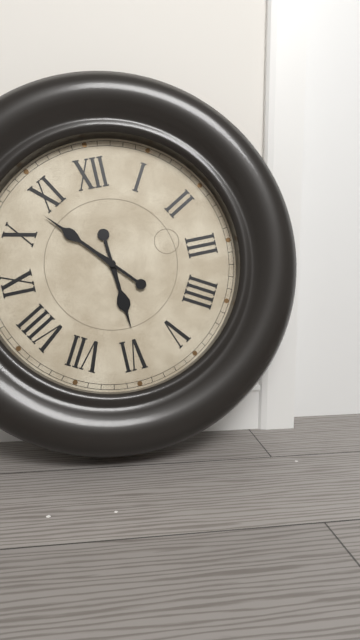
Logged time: 5.53
